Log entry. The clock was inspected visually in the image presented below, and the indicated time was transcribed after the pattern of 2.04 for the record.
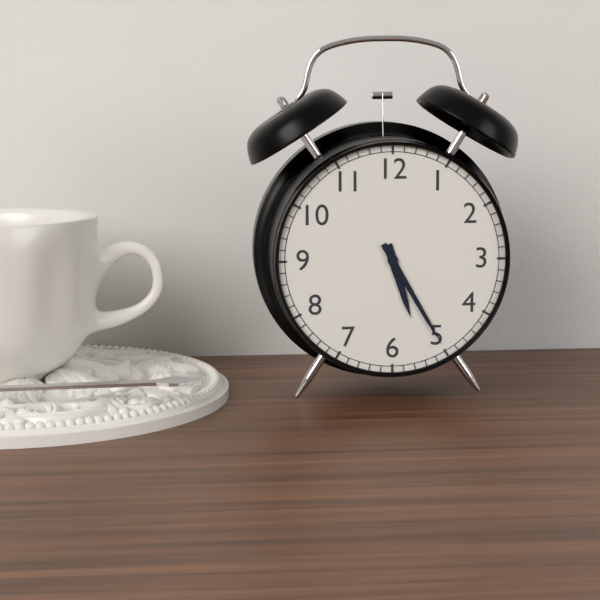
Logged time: 5.25
